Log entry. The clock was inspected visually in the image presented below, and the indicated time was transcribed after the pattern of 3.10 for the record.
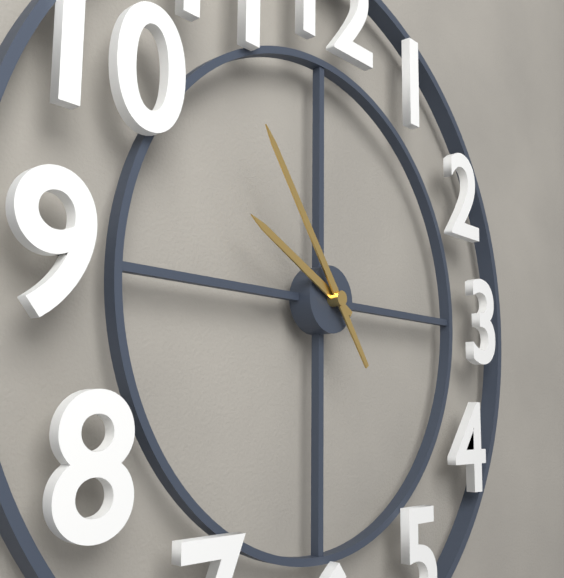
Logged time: 9.54
